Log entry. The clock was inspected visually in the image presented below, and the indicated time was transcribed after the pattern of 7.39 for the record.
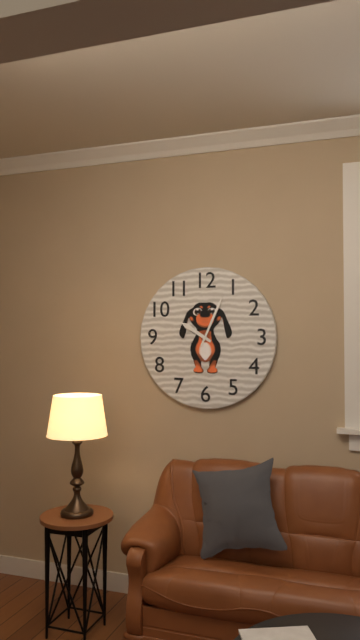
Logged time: 10.04
